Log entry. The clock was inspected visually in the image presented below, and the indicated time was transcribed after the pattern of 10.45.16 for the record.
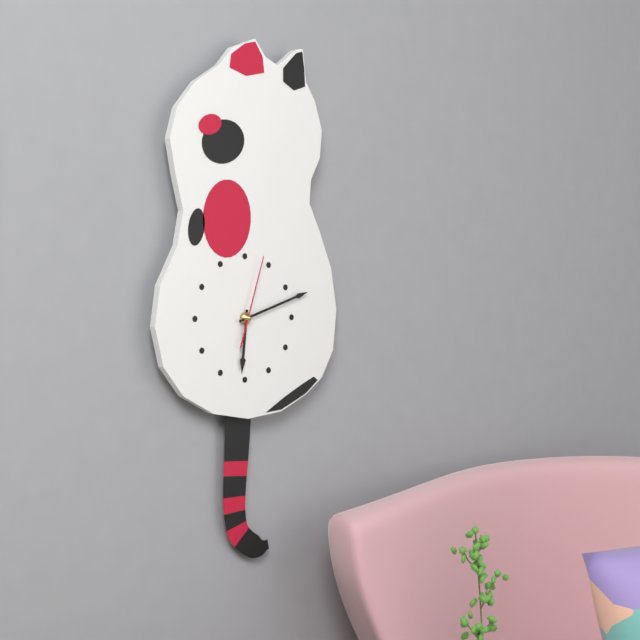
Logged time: 6.12.03
